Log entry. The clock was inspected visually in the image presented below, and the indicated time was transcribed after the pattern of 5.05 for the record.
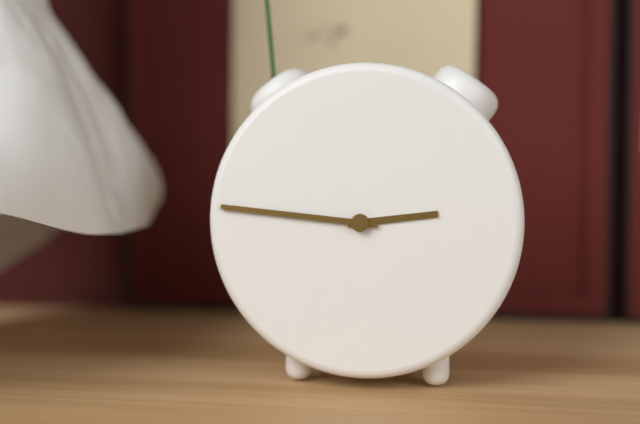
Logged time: 2.46
